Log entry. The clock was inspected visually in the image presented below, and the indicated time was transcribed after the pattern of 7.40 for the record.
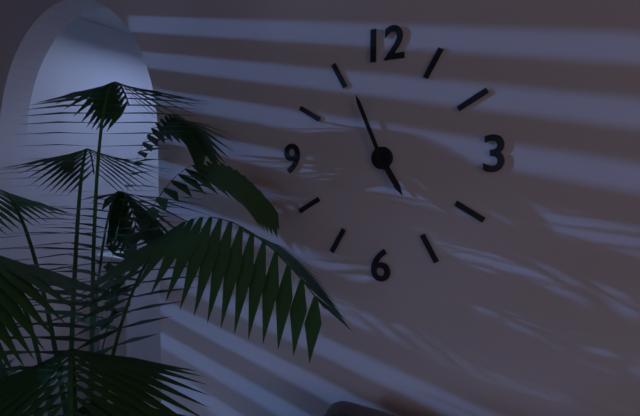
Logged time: 4.56
